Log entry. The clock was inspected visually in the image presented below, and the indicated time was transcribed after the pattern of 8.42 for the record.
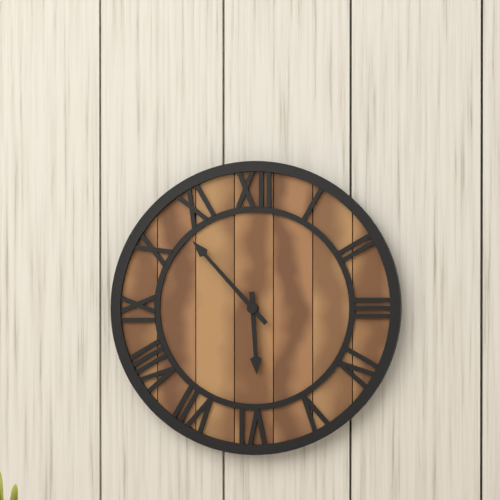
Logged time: 5.53
